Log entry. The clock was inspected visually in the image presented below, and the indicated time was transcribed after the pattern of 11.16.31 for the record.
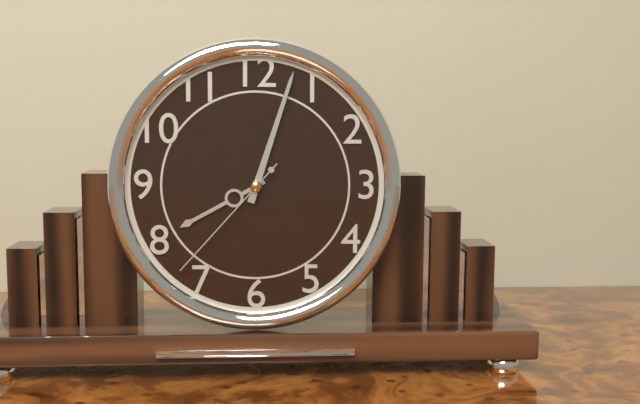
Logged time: 8.03.37
